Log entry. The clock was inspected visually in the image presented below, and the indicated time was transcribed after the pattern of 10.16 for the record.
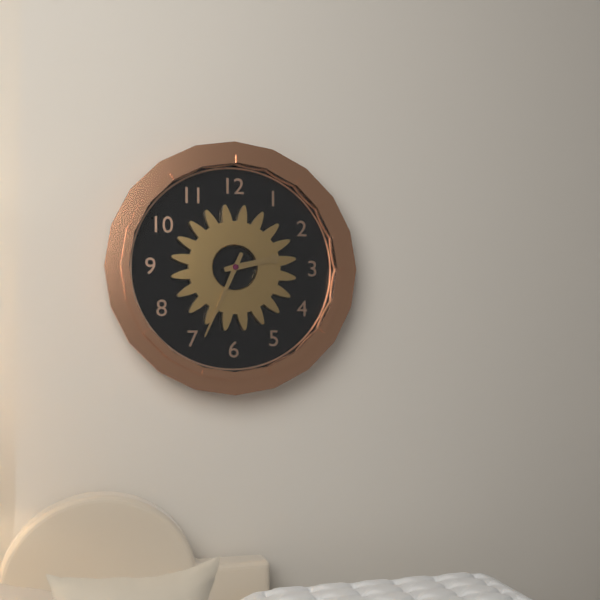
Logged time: 2.34
